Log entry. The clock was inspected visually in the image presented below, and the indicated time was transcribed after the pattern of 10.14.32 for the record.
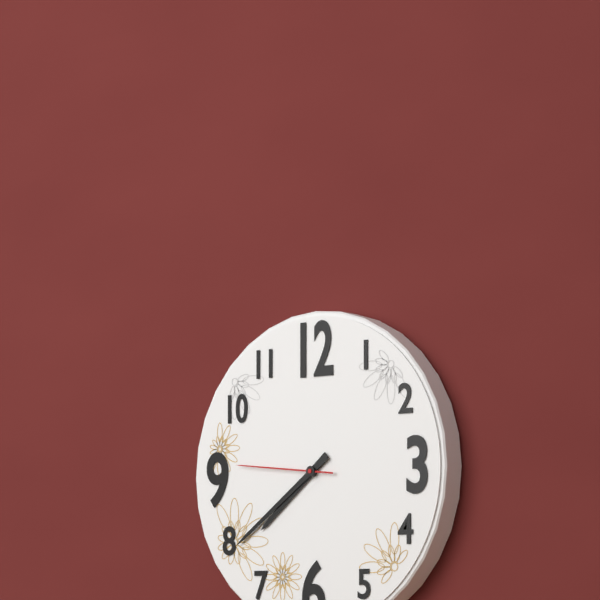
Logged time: 7.39.46
